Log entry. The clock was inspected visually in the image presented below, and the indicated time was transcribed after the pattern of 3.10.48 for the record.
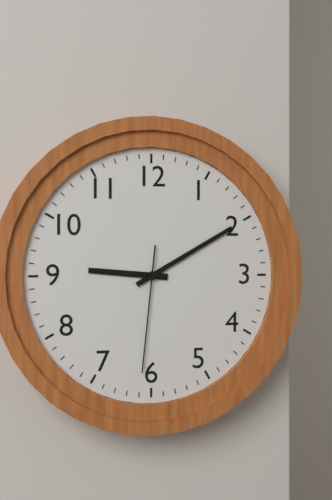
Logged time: 9.10.31
